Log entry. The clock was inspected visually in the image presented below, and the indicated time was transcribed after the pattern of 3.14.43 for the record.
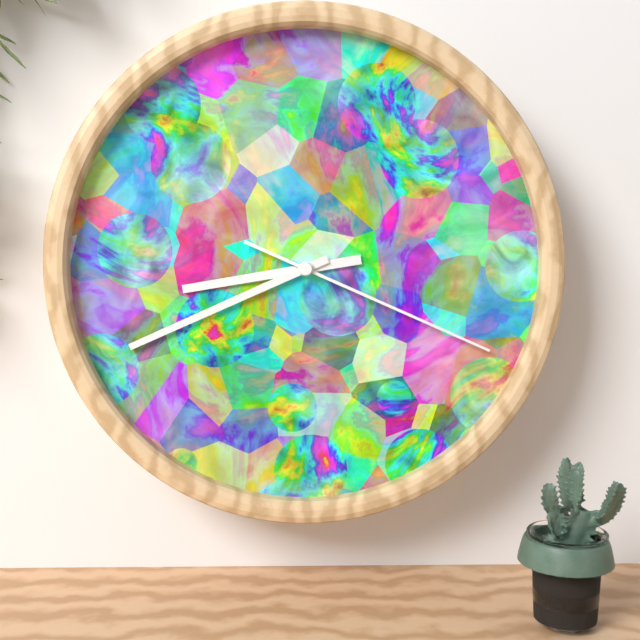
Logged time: 8.41.19
